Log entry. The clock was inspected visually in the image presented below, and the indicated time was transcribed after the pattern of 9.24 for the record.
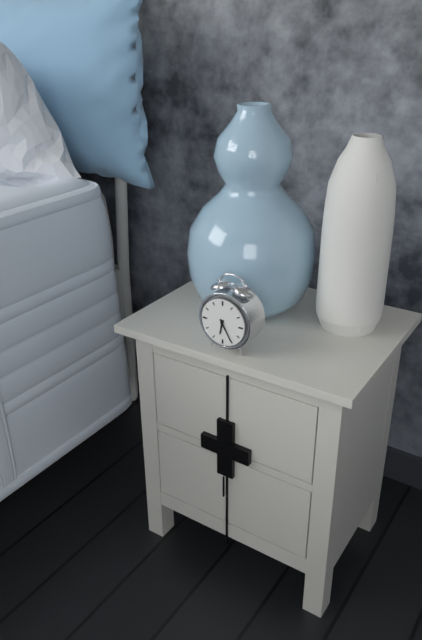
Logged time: 6.25
